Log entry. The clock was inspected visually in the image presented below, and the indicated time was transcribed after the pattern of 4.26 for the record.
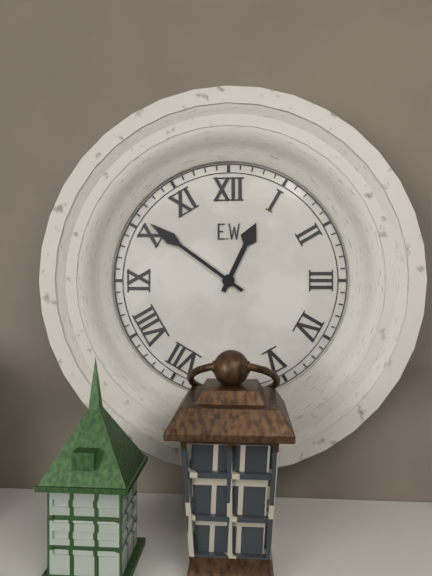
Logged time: 12.51
